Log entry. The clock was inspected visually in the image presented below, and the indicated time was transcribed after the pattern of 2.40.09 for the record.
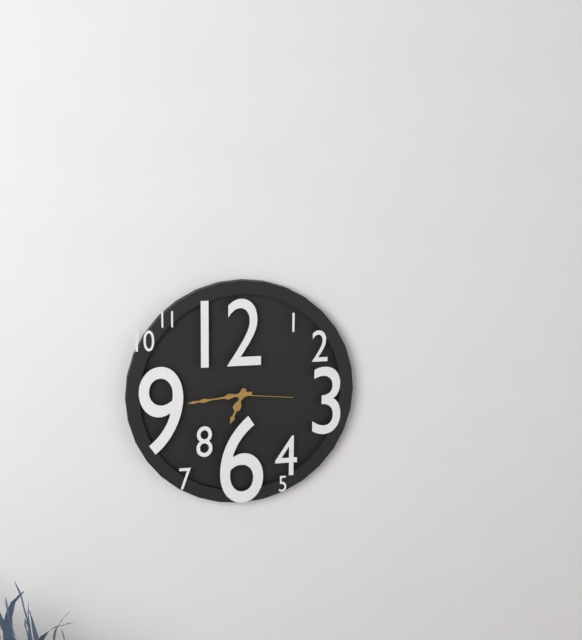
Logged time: 6.44.16
